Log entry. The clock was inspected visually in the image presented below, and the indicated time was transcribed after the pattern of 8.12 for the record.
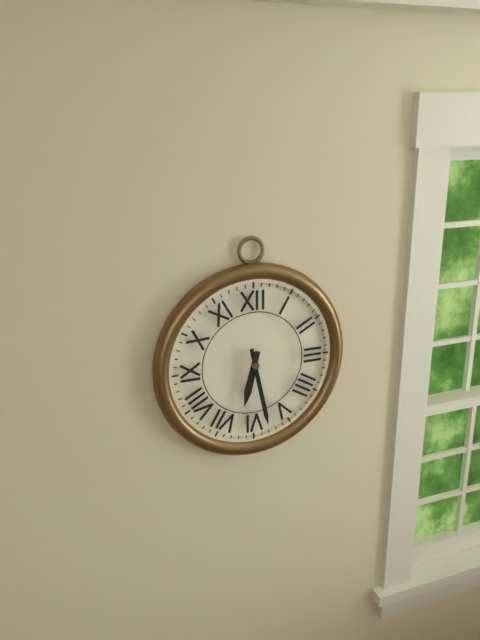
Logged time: 6.28
